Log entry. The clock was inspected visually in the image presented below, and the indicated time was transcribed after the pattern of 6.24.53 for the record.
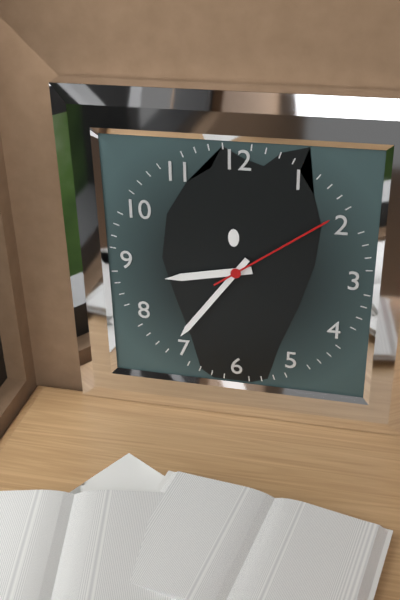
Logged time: 8.36.09
